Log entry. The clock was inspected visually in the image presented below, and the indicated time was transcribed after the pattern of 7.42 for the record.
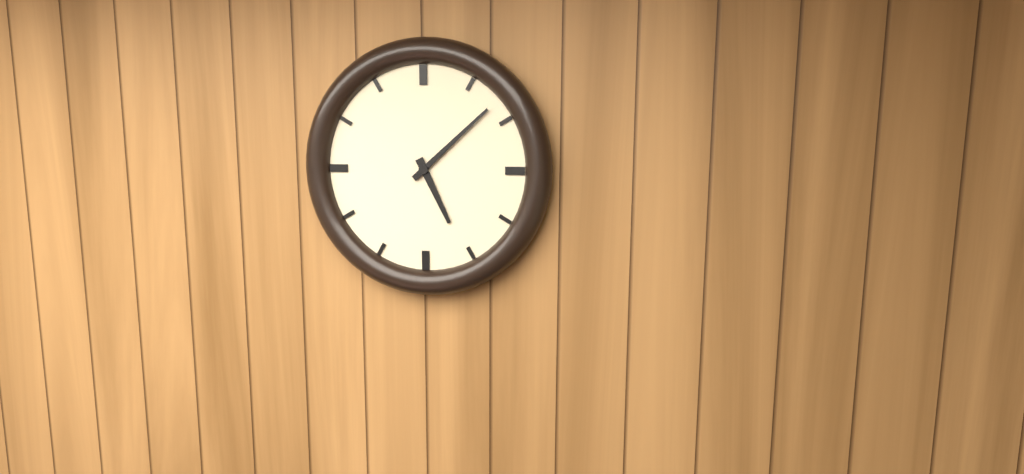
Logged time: 5.08
